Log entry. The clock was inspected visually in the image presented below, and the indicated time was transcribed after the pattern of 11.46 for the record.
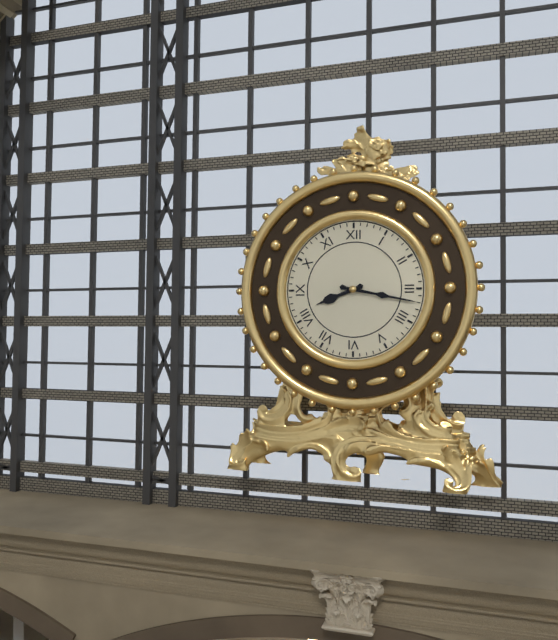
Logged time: 8.17
